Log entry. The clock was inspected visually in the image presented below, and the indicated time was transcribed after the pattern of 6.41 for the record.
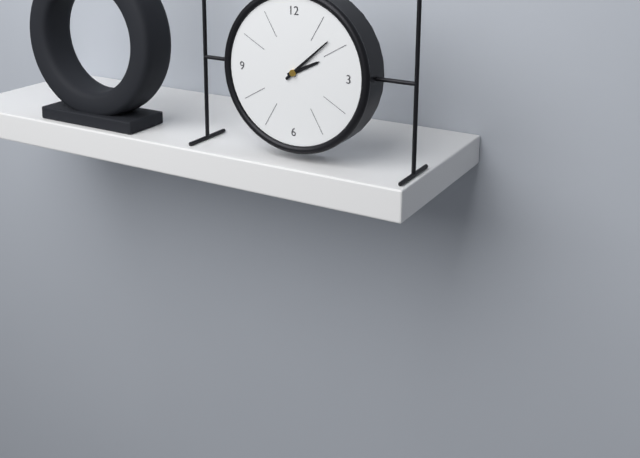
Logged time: 2.08
